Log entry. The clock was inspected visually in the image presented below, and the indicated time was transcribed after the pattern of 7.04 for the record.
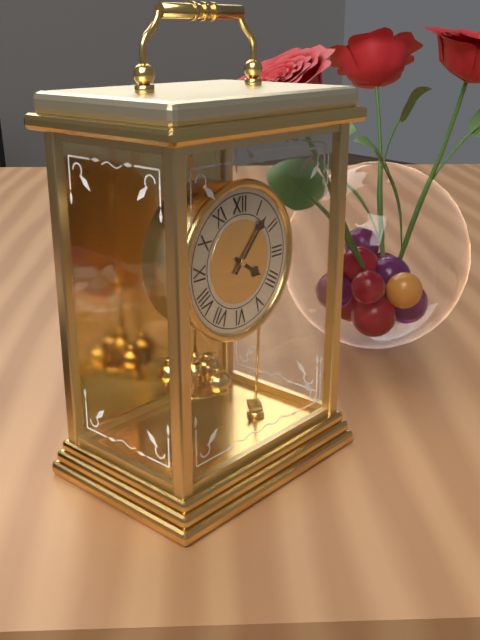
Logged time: 4.07
